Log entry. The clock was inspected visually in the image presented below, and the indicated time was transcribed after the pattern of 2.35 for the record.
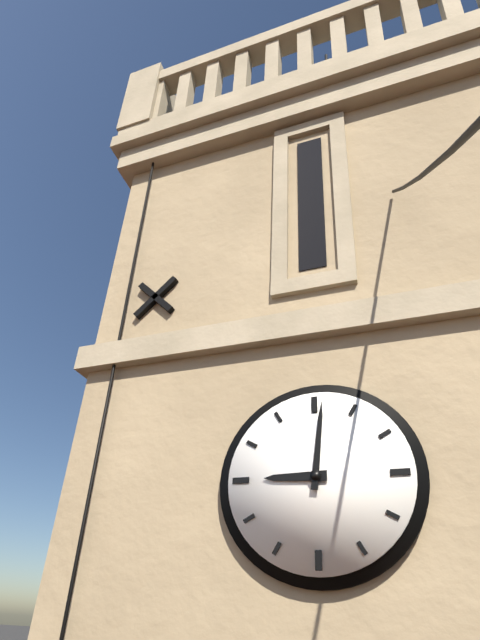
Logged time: 9.01
